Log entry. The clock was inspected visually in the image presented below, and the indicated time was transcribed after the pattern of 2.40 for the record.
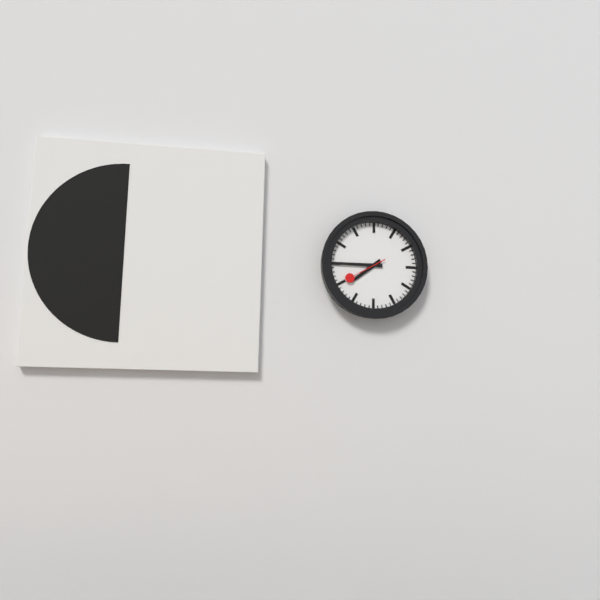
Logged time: 7.45
